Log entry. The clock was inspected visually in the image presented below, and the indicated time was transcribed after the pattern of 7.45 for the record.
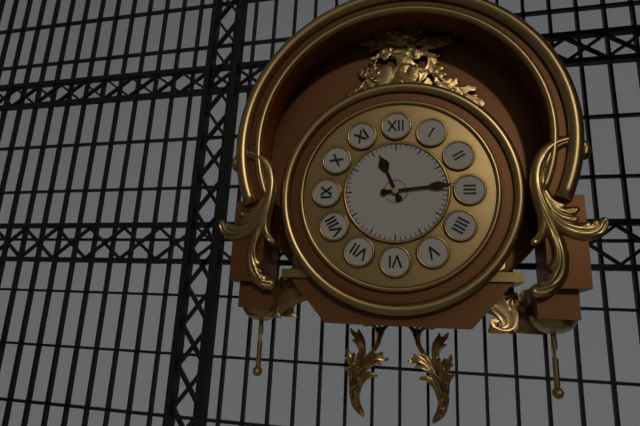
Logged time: 11.14
